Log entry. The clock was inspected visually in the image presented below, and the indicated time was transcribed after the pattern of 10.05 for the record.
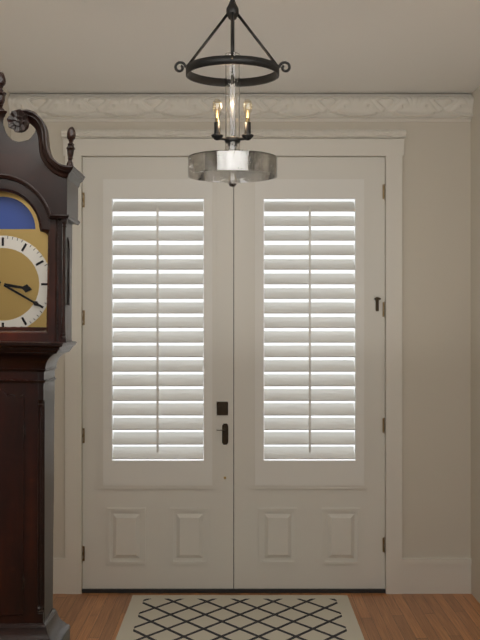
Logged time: 3.20
